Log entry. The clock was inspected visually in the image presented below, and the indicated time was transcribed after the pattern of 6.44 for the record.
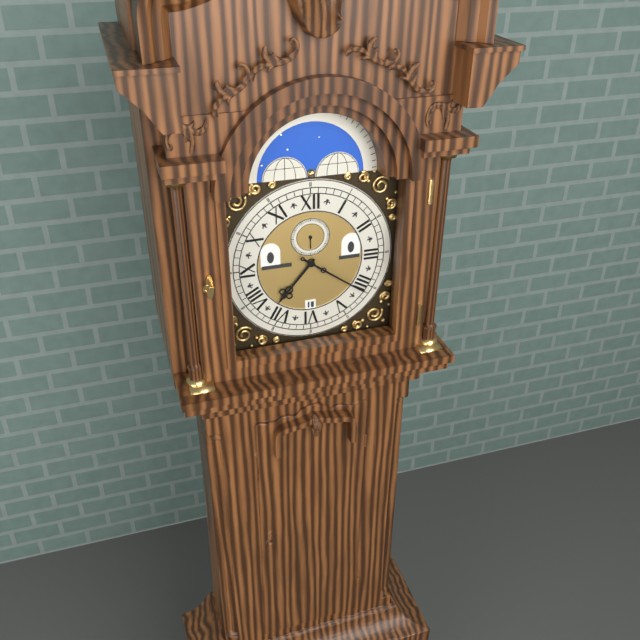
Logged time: 7.21
